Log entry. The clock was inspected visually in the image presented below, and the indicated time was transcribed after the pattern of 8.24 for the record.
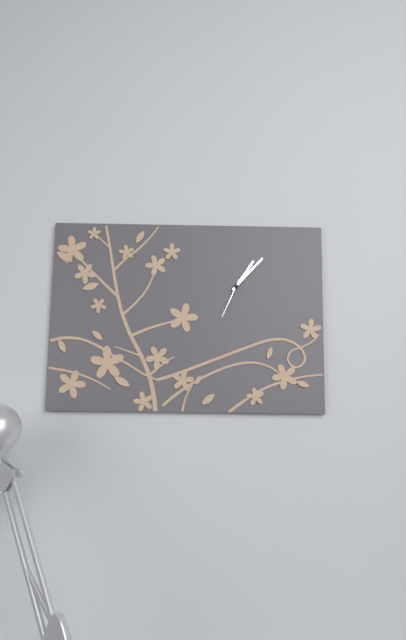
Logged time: 1.07
